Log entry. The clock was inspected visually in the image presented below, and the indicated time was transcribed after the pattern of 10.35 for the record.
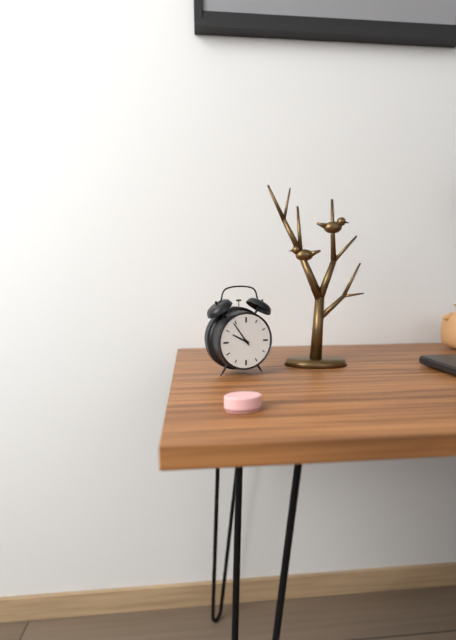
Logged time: 9.54
